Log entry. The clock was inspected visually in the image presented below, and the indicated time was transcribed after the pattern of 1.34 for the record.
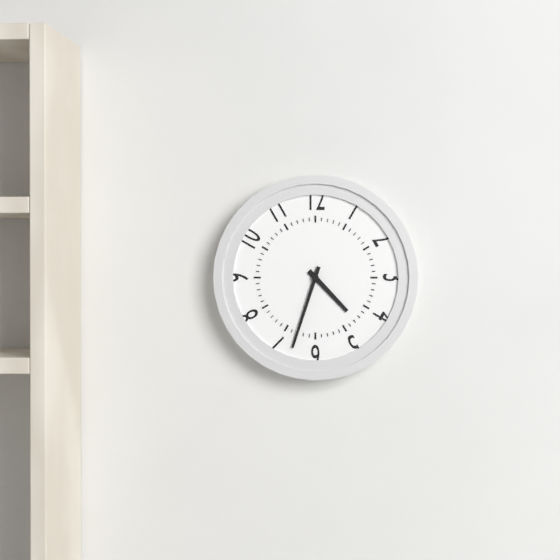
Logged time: 4.33
